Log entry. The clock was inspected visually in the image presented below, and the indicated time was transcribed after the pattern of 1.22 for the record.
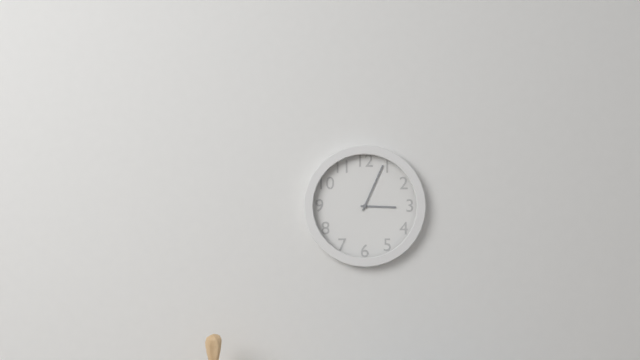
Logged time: 3.04
